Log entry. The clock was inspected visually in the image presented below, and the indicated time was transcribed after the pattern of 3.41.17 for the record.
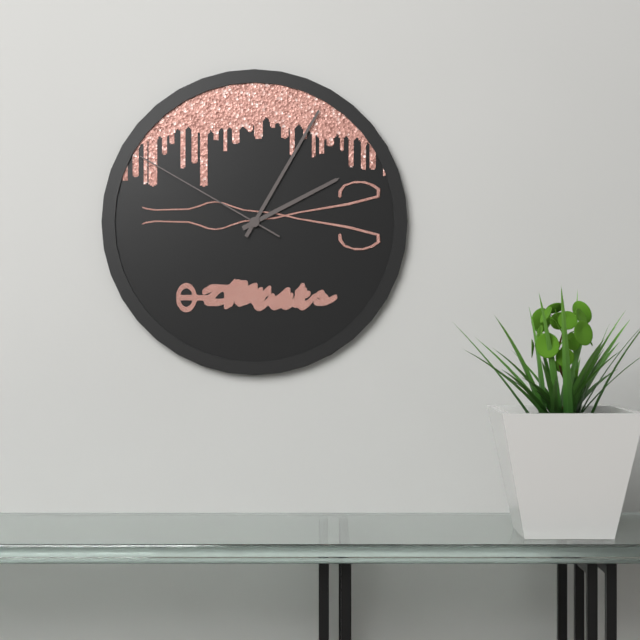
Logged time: 2.05.50
